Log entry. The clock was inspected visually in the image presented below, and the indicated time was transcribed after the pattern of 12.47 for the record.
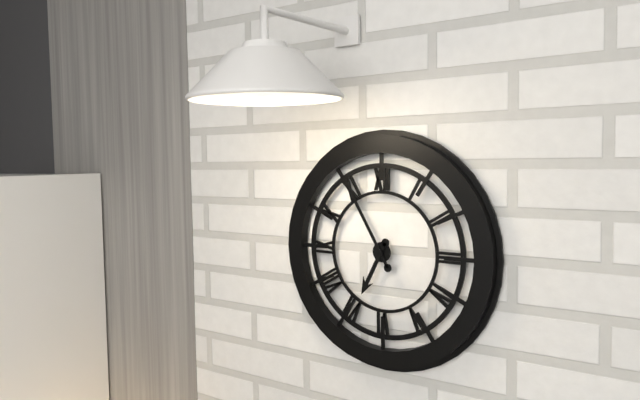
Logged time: 6.55
